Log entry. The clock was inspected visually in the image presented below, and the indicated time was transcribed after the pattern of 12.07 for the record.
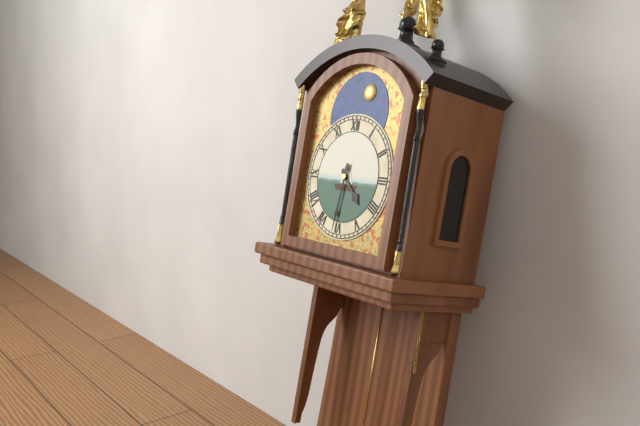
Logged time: 4.31
